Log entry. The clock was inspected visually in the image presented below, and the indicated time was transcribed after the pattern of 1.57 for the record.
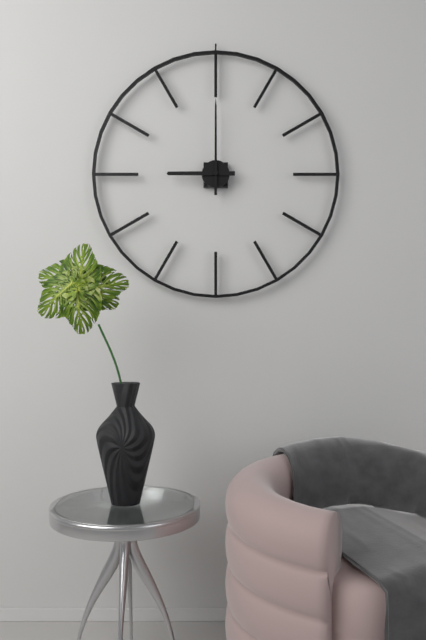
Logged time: 9.00
